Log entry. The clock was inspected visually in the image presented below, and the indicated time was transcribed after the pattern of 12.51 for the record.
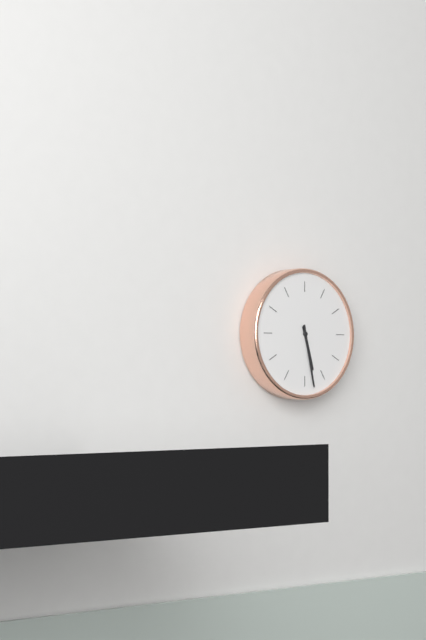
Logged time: 5.28
